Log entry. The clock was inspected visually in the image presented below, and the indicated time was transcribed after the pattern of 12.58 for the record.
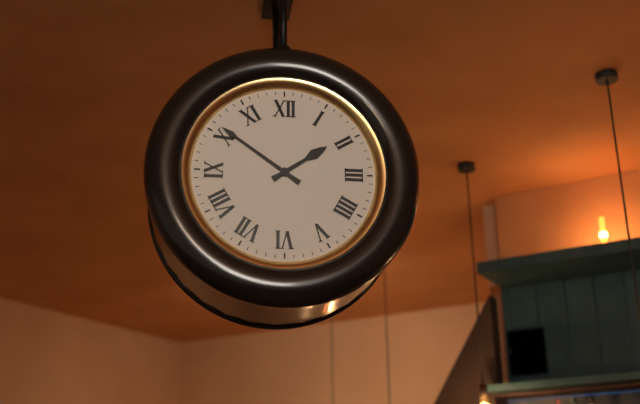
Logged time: 1.51
